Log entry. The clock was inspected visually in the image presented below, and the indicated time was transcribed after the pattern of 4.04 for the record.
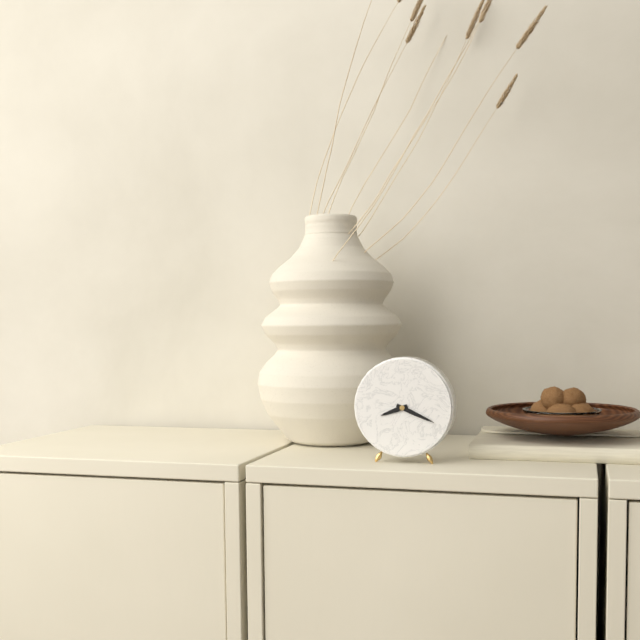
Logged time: 8.19
